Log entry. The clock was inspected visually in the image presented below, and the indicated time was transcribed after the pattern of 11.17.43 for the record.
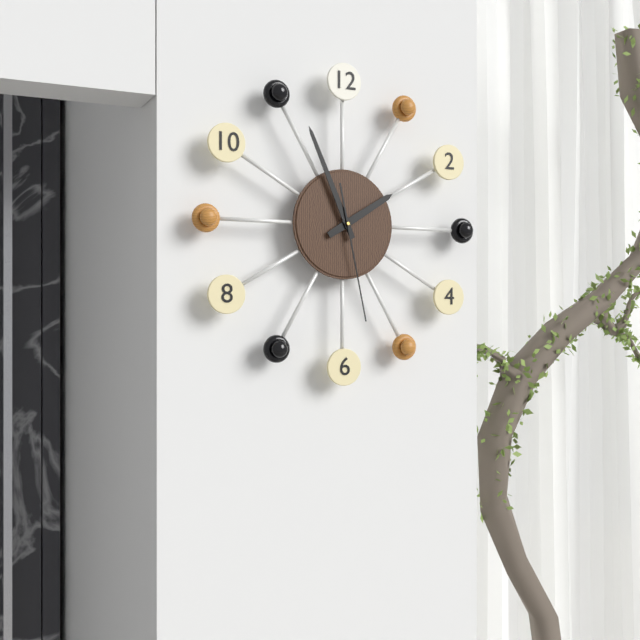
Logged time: 1.56.28
